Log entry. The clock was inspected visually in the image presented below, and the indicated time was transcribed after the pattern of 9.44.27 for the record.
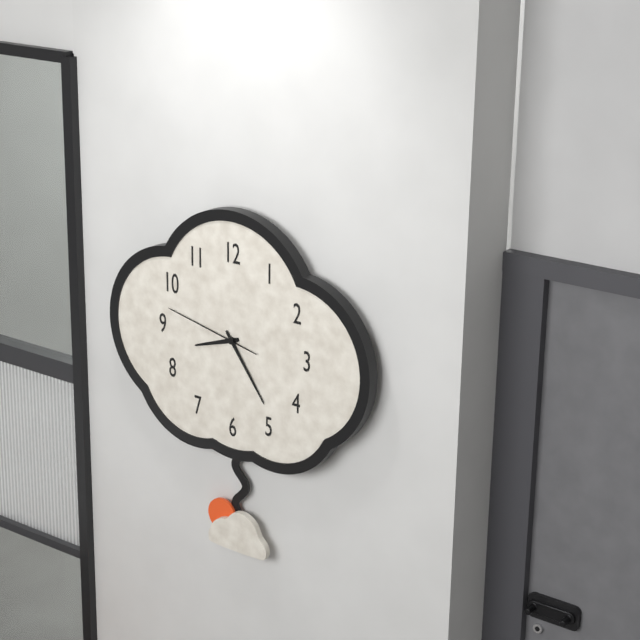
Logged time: 8.24.47
